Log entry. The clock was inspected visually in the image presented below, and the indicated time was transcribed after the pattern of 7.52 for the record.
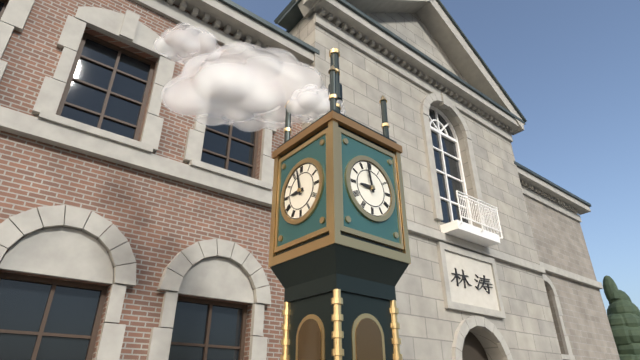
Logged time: 8.58
